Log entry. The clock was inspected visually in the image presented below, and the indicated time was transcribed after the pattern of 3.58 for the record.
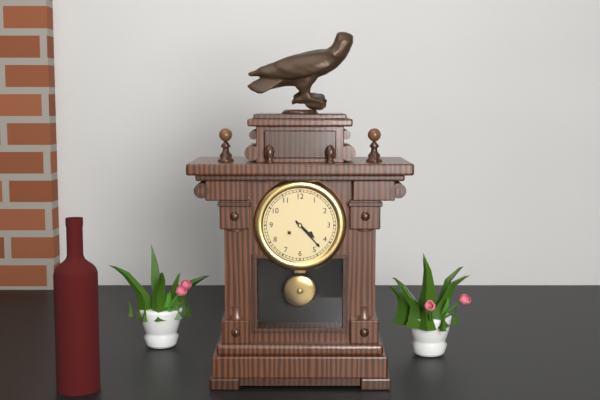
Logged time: 4.23
